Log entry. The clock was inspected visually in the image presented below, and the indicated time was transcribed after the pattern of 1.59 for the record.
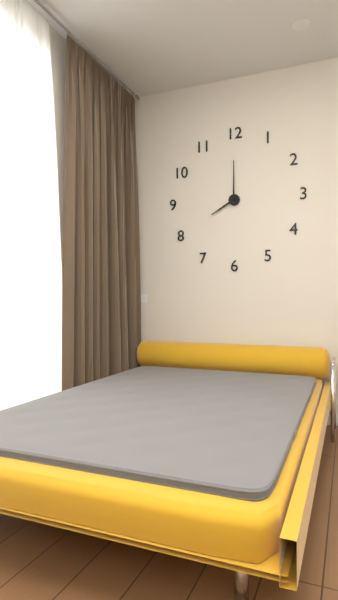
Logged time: 8.00
